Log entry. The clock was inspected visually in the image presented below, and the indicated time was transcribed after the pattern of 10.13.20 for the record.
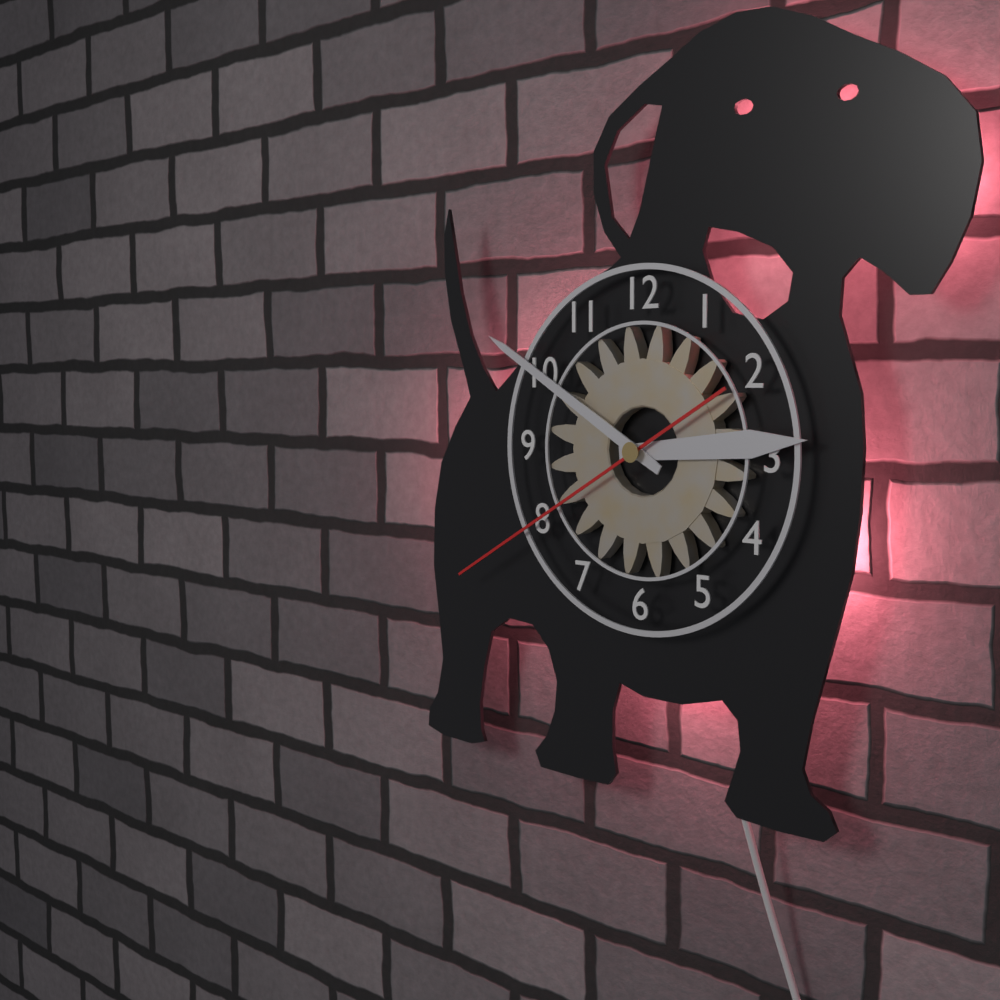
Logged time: 2.50.40
